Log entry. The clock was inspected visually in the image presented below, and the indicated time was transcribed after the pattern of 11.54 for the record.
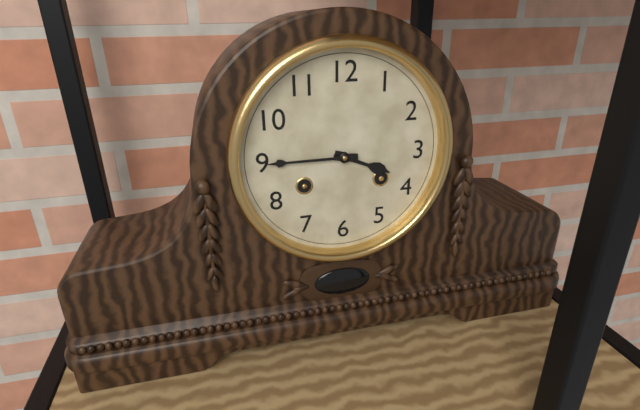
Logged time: 3.45
